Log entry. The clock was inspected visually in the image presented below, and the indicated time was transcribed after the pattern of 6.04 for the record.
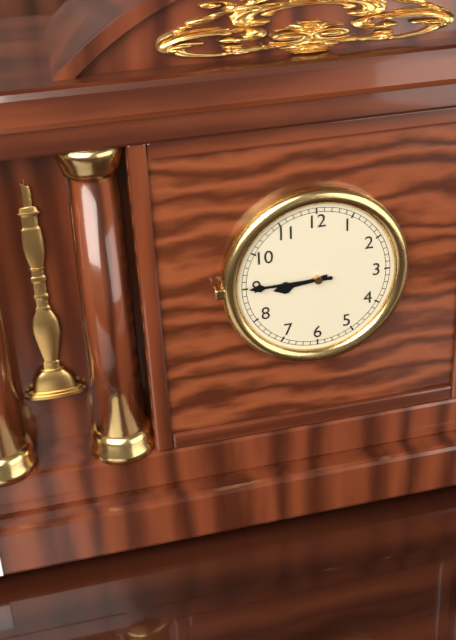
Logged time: 8.45
